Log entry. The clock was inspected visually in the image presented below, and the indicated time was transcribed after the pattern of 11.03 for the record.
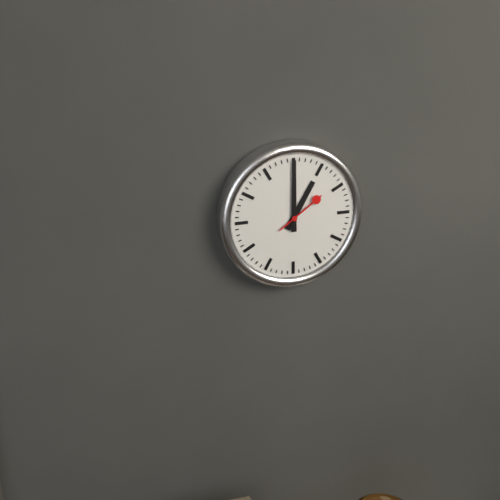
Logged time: 1.00
